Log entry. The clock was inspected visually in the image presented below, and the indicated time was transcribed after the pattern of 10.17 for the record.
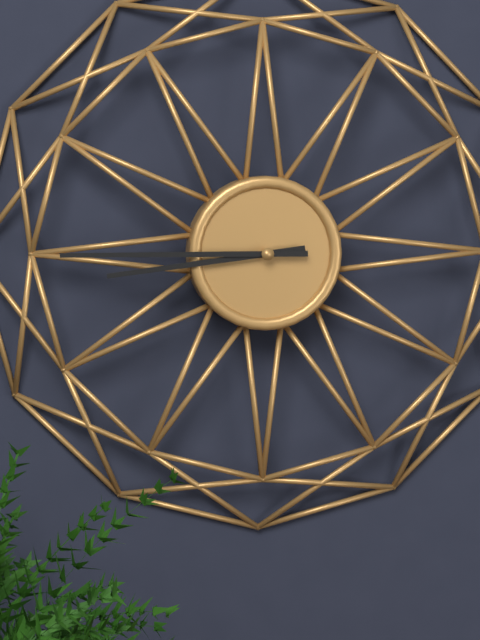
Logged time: 8.45
